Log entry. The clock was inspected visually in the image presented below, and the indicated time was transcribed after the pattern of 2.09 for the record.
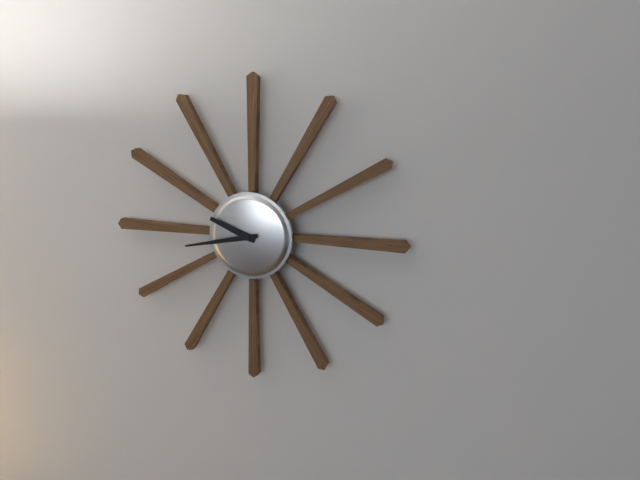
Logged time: 9.43
